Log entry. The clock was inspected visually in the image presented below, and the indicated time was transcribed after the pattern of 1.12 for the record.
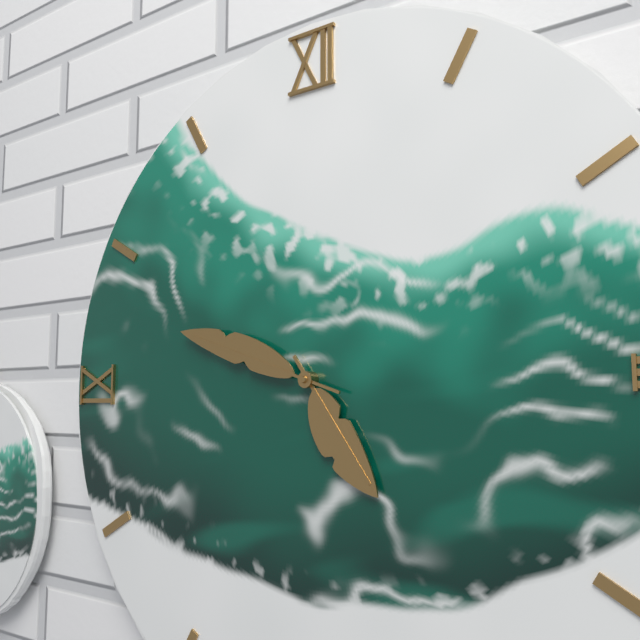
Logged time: 4.48
